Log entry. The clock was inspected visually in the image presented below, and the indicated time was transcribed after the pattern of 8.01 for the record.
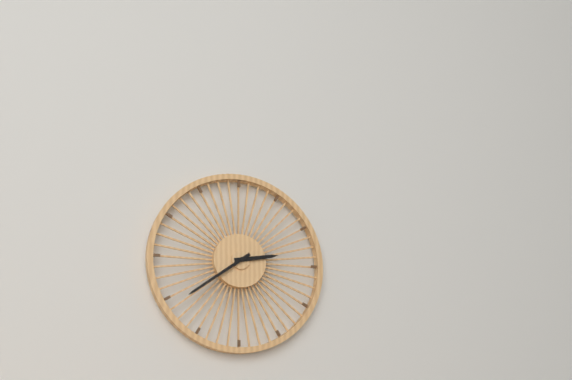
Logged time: 2.39
